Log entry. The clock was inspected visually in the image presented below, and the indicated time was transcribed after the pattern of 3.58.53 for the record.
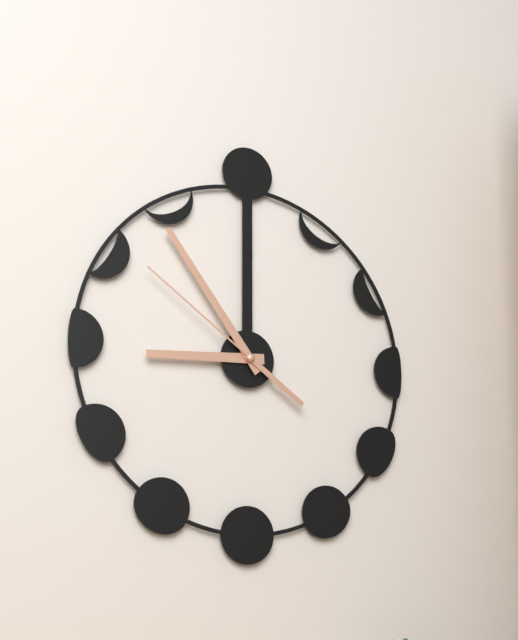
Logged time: 8.54.51
